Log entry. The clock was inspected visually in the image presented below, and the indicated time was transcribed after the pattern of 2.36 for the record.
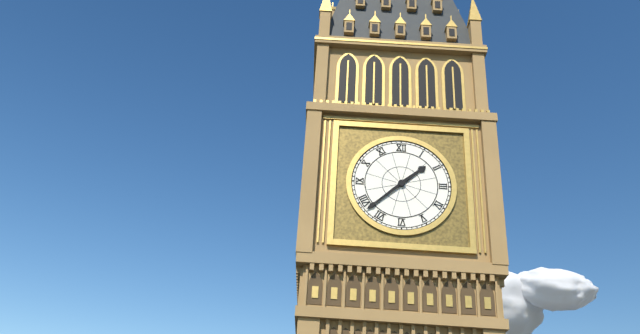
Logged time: 1.38
